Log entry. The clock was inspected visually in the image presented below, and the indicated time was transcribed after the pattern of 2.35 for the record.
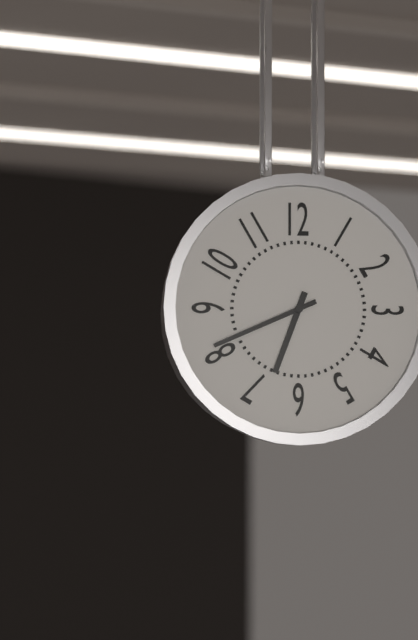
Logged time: 6.41
